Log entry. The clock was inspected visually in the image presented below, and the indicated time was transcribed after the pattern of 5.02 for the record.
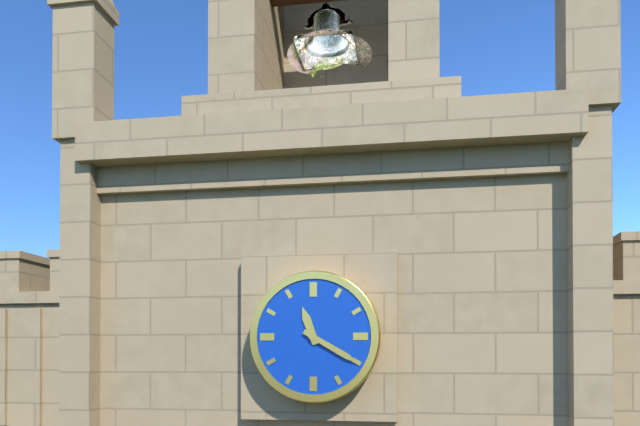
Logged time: 11.20
